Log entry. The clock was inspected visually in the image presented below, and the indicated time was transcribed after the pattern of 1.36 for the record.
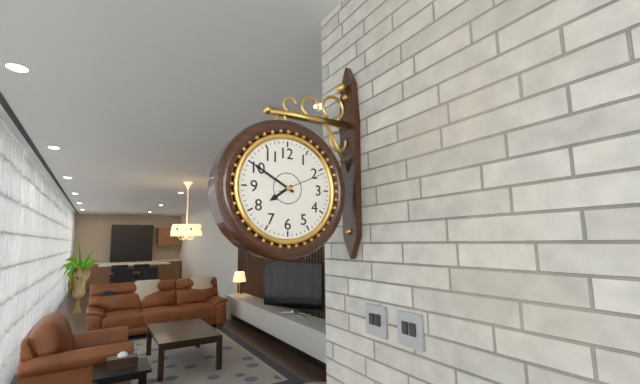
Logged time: 7.50
